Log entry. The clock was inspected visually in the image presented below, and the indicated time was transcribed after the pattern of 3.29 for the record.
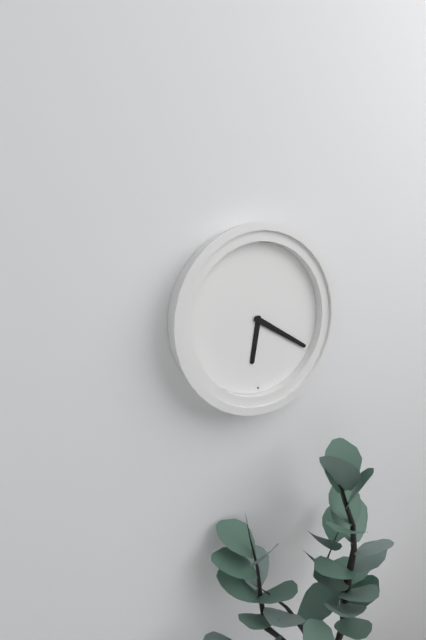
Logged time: 6.20
